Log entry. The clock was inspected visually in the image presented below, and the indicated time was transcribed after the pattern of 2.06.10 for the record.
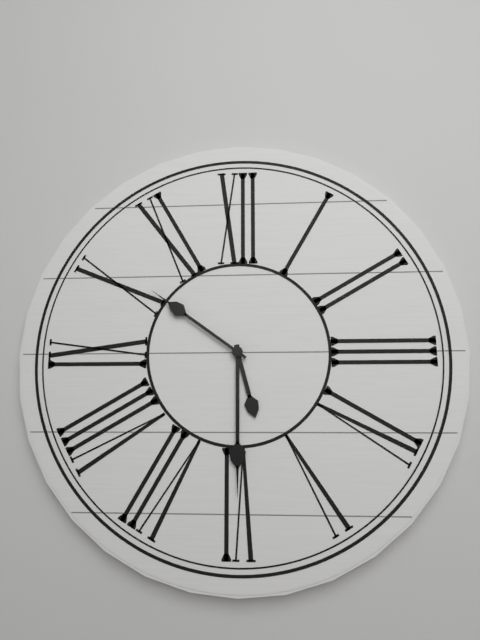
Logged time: 5.30.51
